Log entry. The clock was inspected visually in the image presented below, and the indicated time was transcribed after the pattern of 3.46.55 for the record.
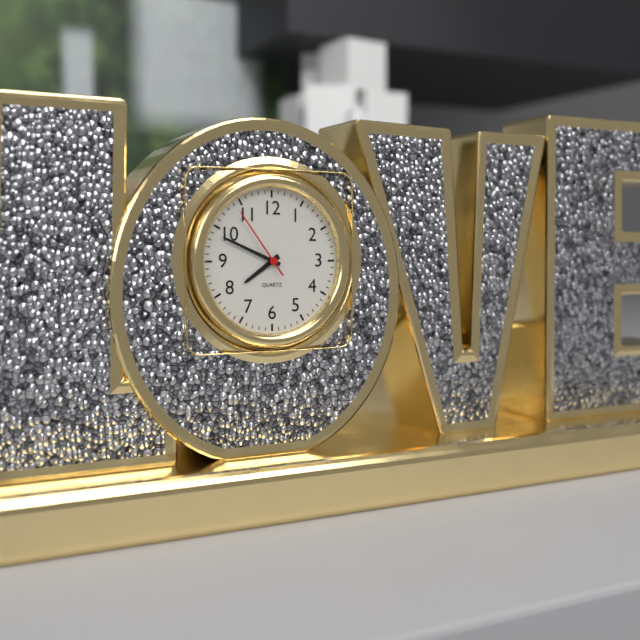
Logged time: 7.49.54
